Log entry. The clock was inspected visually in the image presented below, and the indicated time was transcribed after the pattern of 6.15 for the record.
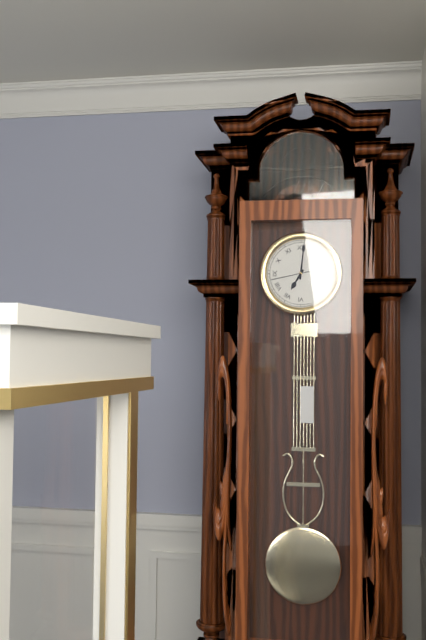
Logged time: 7.01
